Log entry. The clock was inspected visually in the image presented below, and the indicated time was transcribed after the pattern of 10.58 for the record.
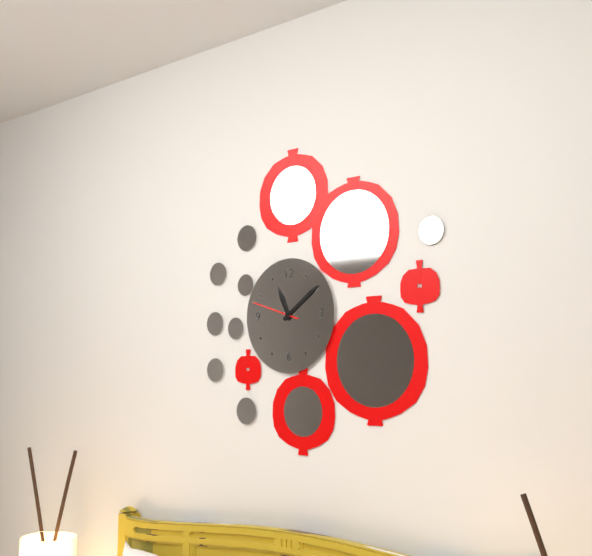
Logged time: 11.09
